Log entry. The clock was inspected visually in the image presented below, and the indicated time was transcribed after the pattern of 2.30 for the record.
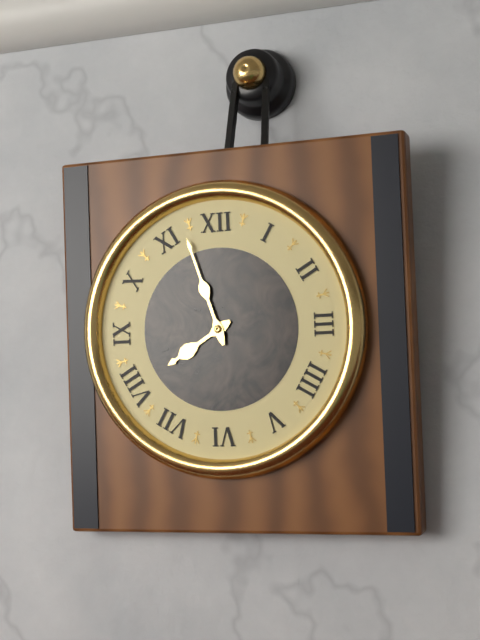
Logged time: 7.57
